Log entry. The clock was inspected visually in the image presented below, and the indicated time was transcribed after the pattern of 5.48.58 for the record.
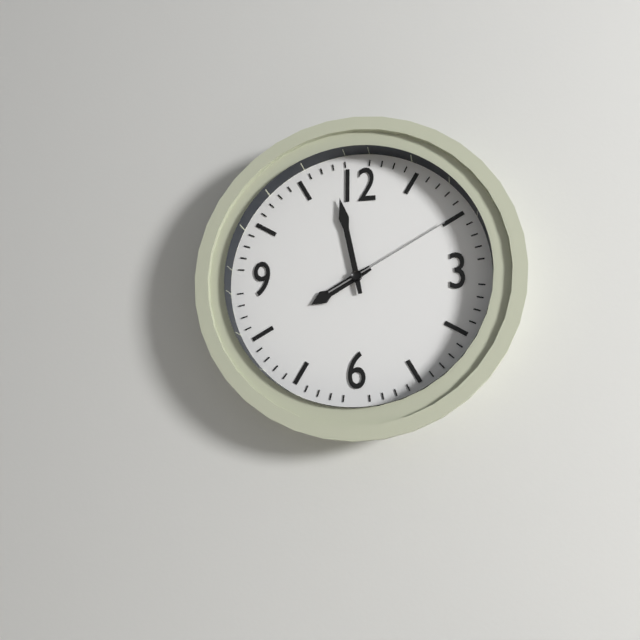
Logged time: 7.58.10
